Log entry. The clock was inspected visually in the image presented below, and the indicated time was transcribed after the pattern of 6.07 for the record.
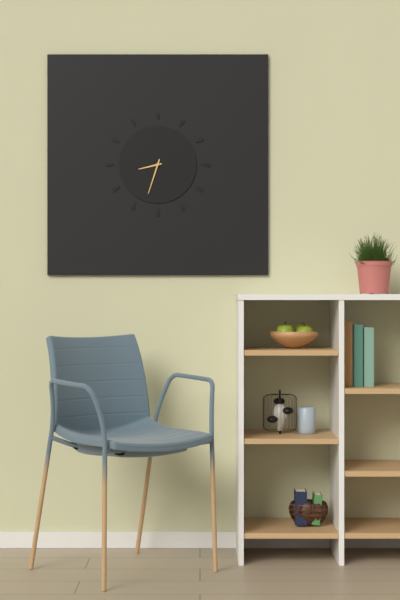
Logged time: 8.33
